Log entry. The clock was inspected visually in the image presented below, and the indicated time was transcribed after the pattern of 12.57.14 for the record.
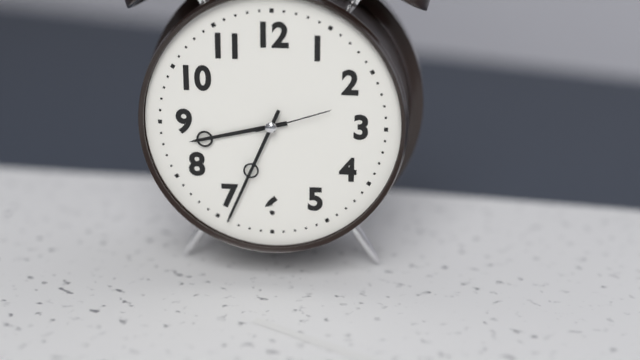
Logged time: 8.34.12
